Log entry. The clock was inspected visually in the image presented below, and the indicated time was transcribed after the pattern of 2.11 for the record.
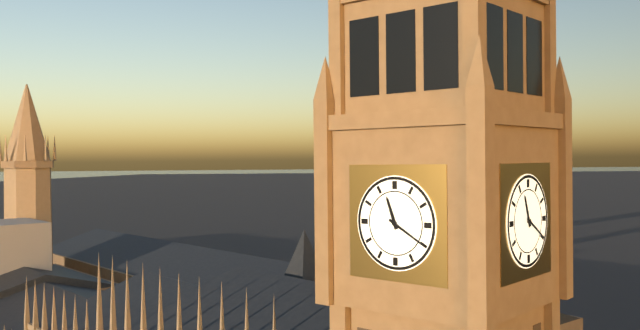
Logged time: 11.20
